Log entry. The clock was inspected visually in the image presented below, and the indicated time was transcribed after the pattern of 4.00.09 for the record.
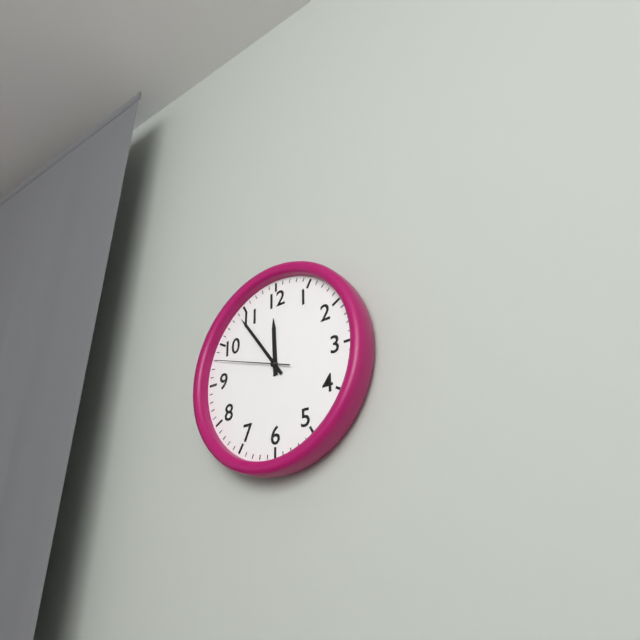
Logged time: 11.54.48
